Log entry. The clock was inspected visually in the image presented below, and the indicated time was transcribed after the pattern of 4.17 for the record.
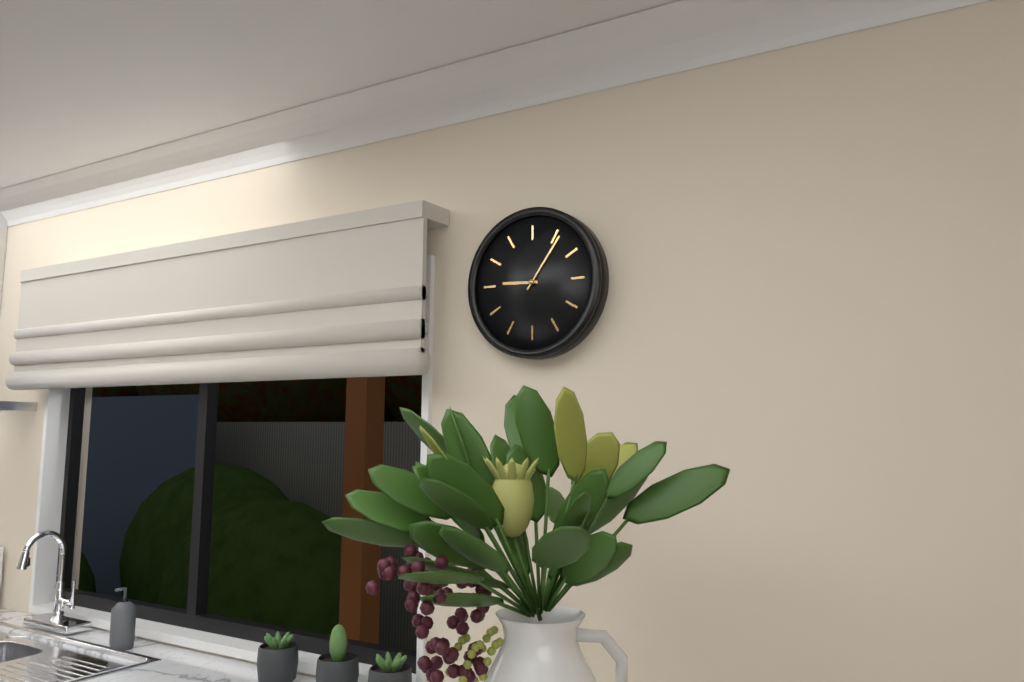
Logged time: 9.06
